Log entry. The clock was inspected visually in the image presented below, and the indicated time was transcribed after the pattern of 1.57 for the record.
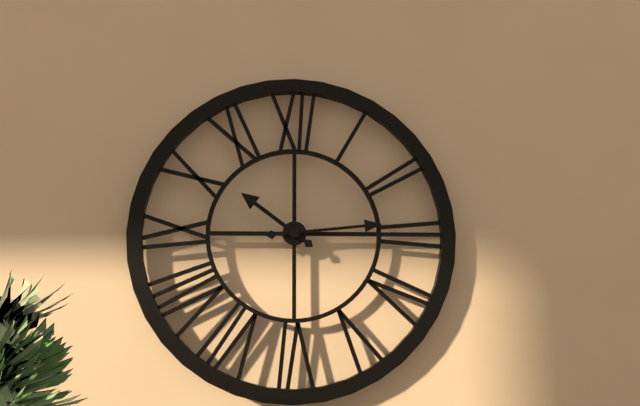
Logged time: 10.14
